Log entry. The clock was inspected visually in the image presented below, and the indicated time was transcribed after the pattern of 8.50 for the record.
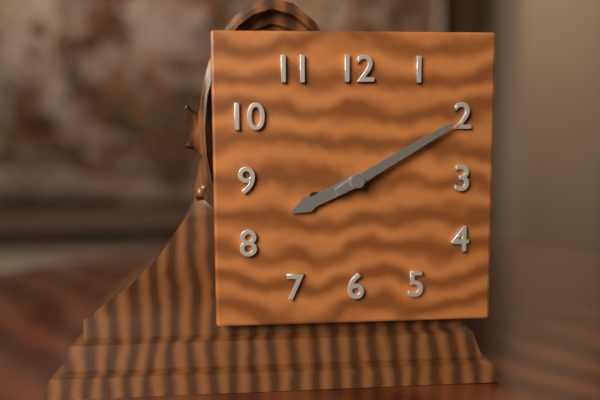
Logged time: 8.10
